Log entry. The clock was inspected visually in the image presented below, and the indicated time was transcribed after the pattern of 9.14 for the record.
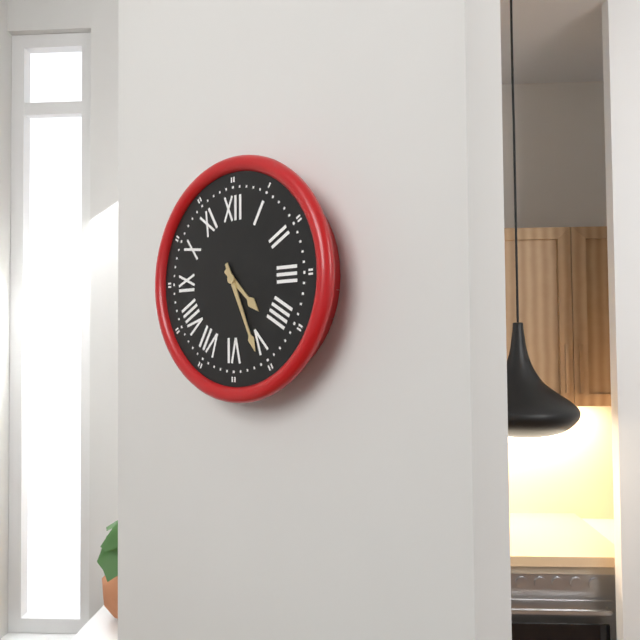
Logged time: 4.26
